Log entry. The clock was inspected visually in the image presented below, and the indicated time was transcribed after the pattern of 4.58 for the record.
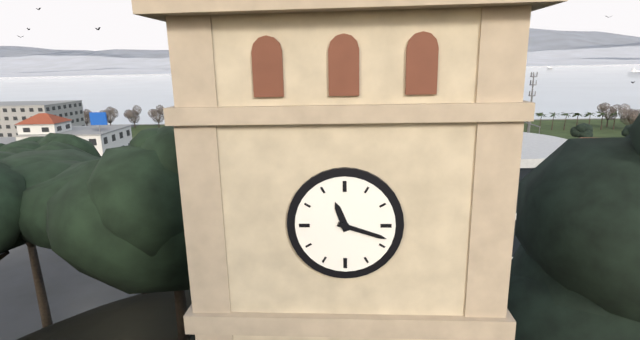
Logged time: 11.18
